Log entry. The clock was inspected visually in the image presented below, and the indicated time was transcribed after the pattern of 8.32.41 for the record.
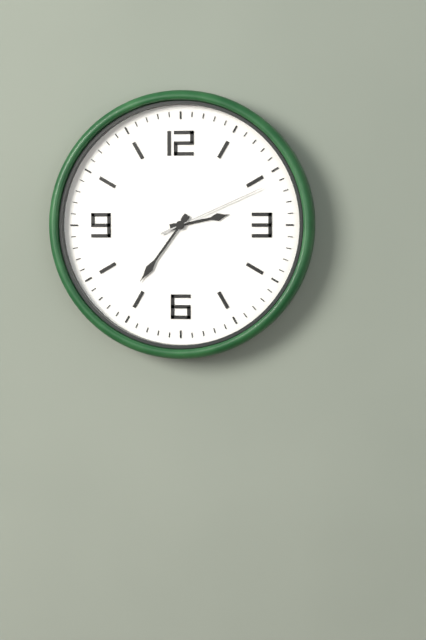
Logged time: 2.36.11
